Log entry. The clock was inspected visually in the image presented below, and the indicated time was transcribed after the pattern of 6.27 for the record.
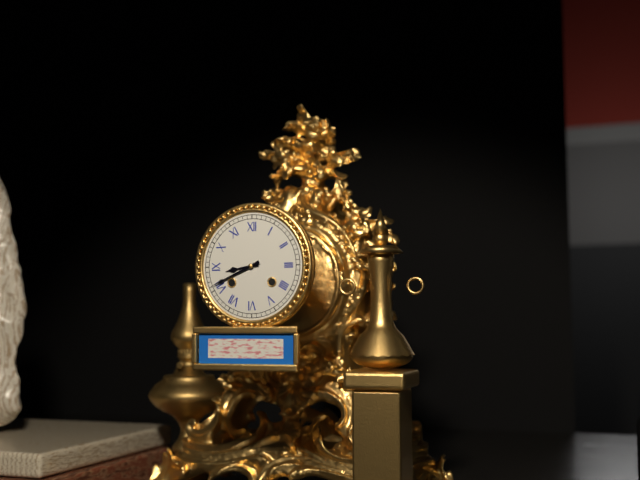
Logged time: 8.41
